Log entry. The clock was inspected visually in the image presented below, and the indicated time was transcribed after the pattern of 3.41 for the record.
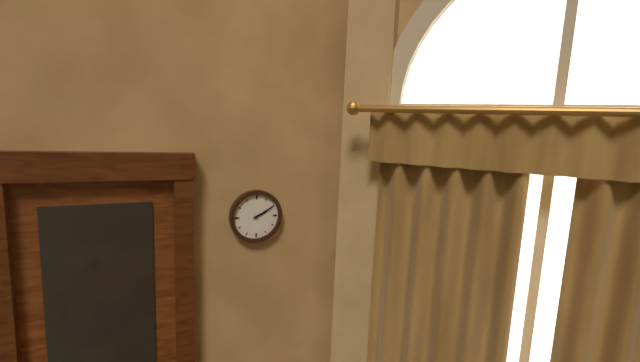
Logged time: 2.10
